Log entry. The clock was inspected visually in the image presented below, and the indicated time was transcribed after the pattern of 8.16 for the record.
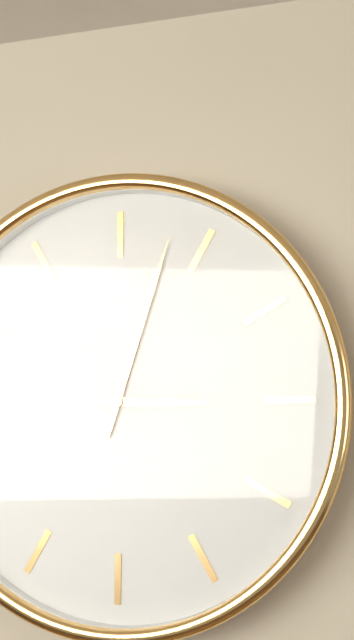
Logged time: 3.03
